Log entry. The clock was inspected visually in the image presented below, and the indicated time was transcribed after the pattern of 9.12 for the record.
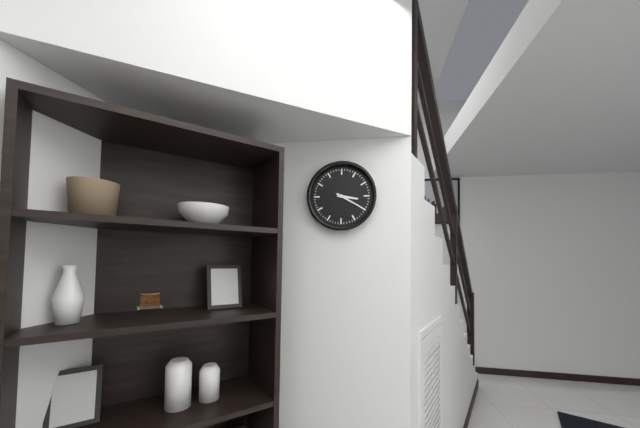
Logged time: 3.20
